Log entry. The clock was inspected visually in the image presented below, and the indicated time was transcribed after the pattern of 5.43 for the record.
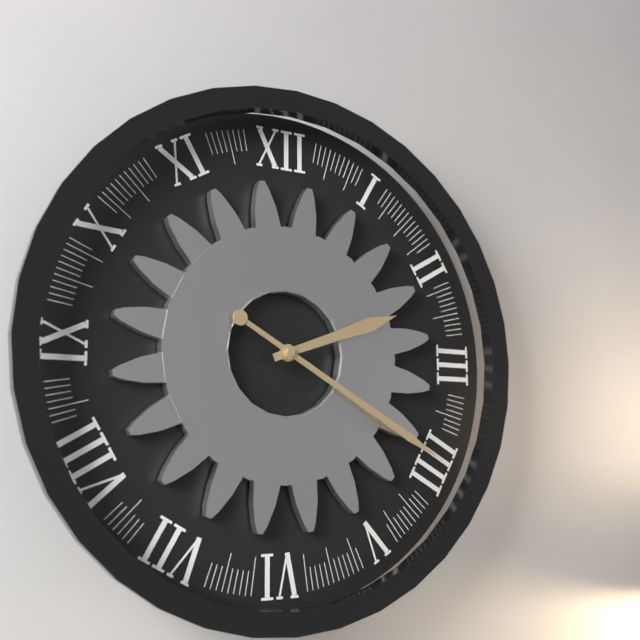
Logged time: 2.20
